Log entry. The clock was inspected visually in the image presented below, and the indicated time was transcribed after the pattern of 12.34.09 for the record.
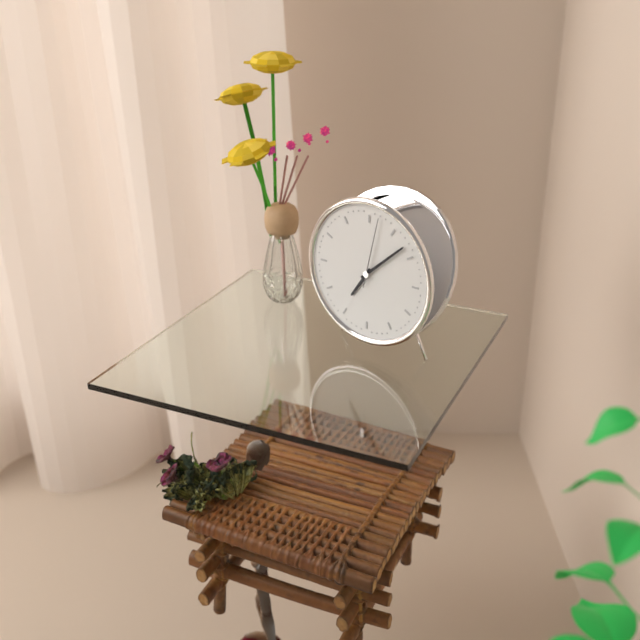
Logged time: 7.08.02
